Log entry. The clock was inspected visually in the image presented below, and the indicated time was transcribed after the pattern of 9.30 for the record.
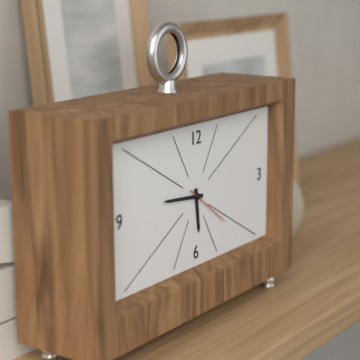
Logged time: 5.46
